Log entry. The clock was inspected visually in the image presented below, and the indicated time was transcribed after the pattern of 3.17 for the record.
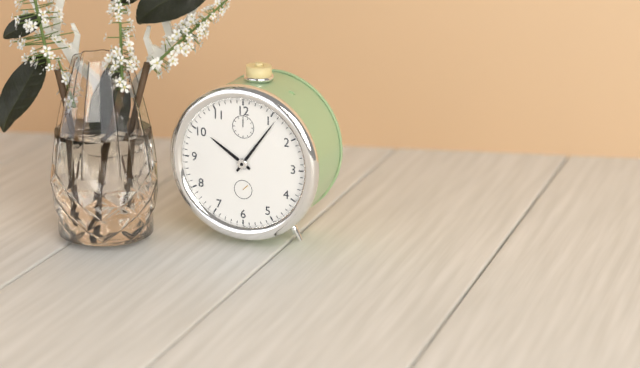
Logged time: 10.06
